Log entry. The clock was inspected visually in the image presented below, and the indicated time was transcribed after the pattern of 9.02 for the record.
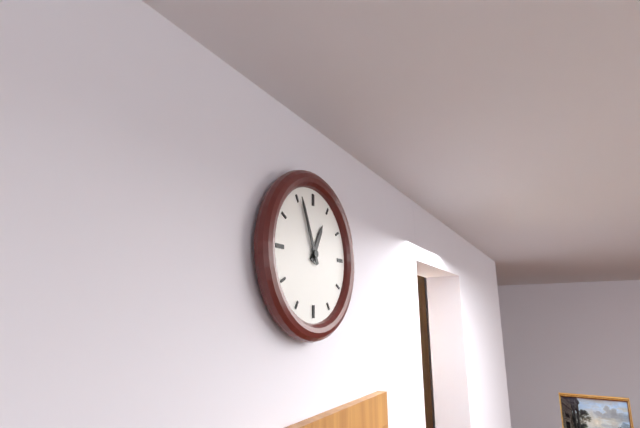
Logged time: 12.56
